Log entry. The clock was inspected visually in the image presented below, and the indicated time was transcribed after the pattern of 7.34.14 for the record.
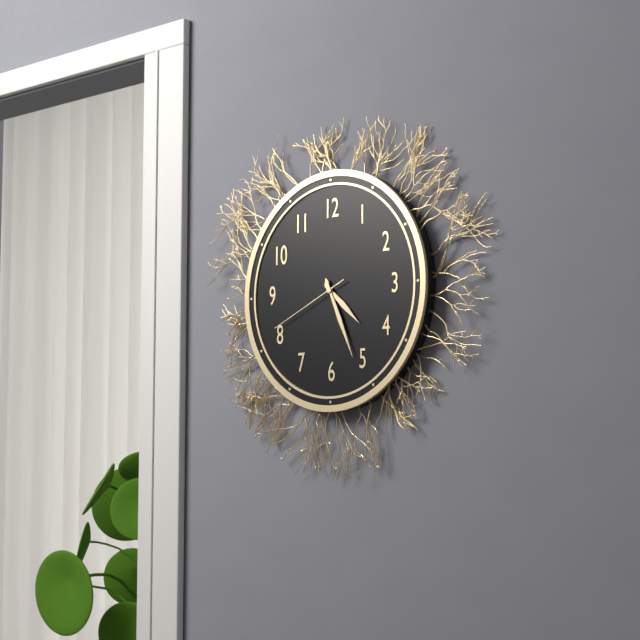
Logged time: 4.26.41
